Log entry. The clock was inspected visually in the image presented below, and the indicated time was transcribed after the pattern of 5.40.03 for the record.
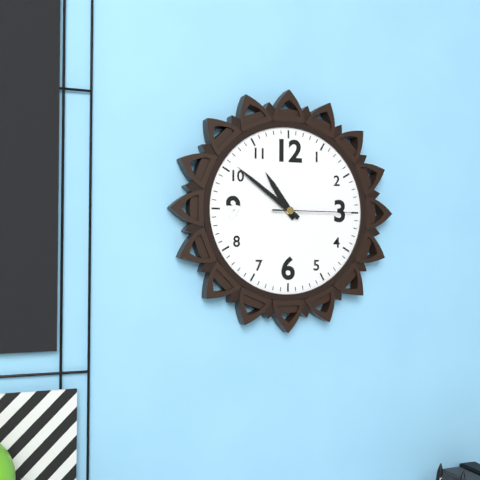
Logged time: 10.51.15
